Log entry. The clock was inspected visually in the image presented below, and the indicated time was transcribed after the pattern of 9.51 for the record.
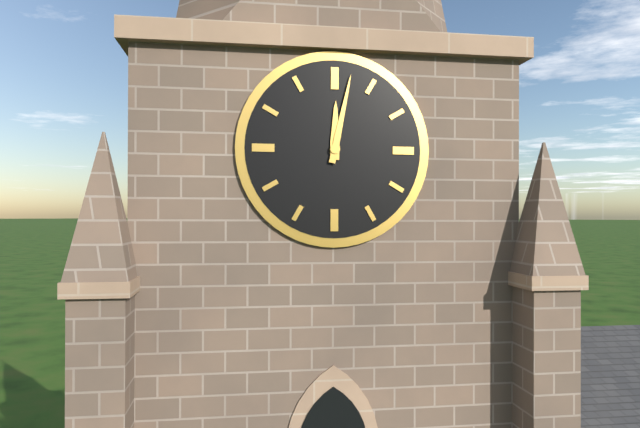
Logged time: 12.02
